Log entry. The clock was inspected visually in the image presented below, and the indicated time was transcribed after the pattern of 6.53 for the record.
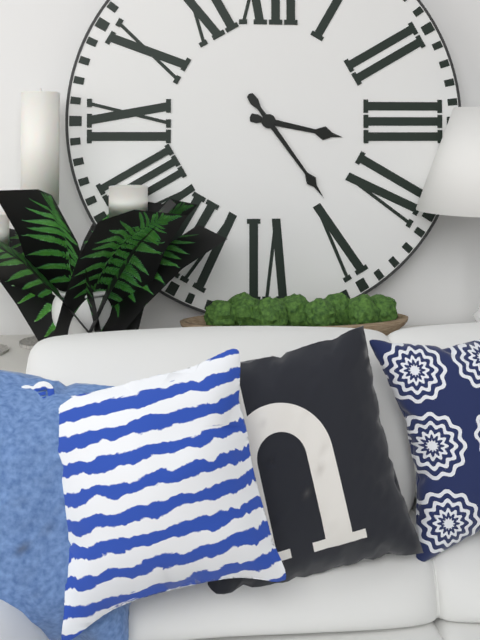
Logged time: 3.24
